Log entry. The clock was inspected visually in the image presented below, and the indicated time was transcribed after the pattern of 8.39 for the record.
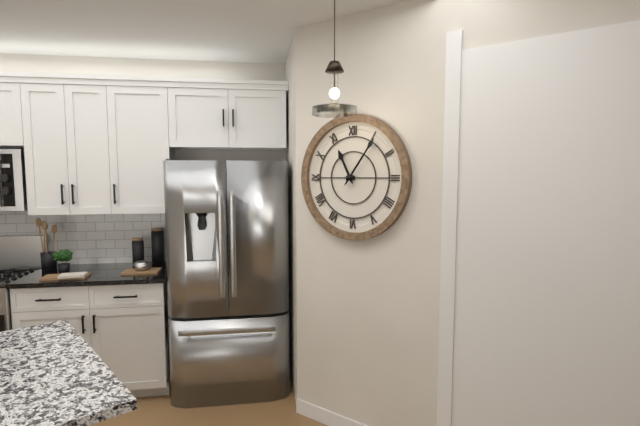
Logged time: 11.06
